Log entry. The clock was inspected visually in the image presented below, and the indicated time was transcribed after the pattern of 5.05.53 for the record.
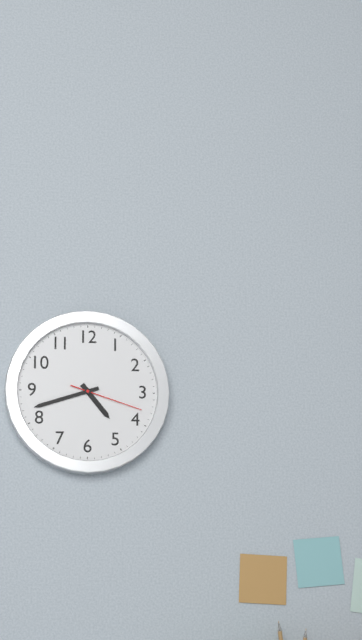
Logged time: 4.42.18
